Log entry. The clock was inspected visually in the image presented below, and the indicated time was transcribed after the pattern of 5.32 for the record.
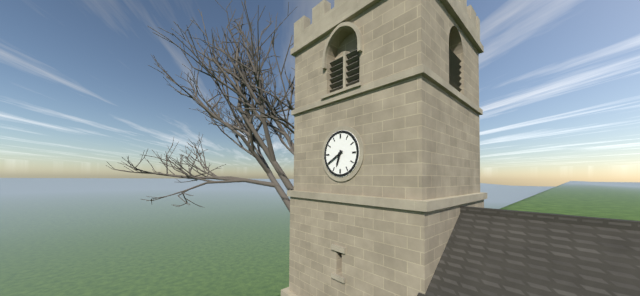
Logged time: 6.40
